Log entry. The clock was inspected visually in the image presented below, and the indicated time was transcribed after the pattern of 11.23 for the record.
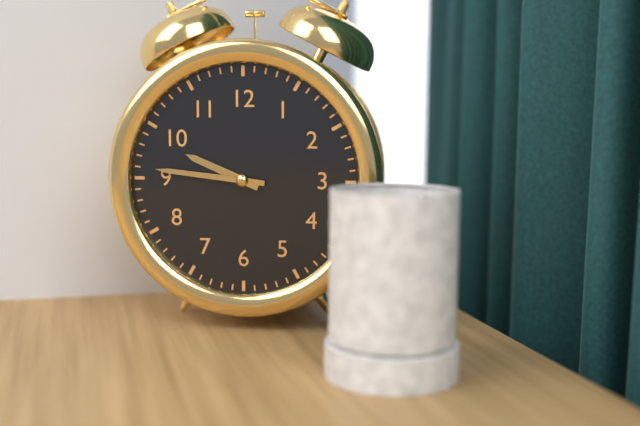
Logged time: 9.46
